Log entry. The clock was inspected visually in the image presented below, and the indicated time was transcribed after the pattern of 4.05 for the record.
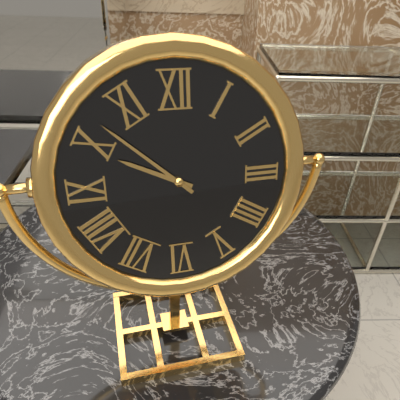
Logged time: 9.52
